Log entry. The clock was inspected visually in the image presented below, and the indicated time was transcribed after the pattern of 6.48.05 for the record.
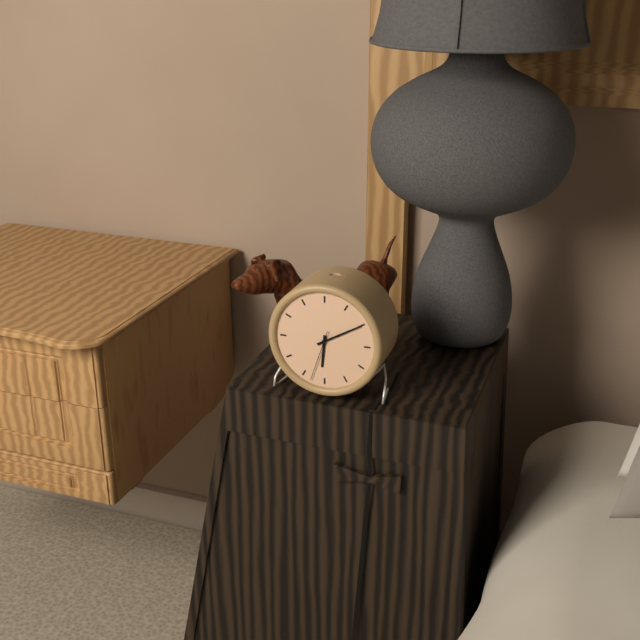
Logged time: 6.10.33
